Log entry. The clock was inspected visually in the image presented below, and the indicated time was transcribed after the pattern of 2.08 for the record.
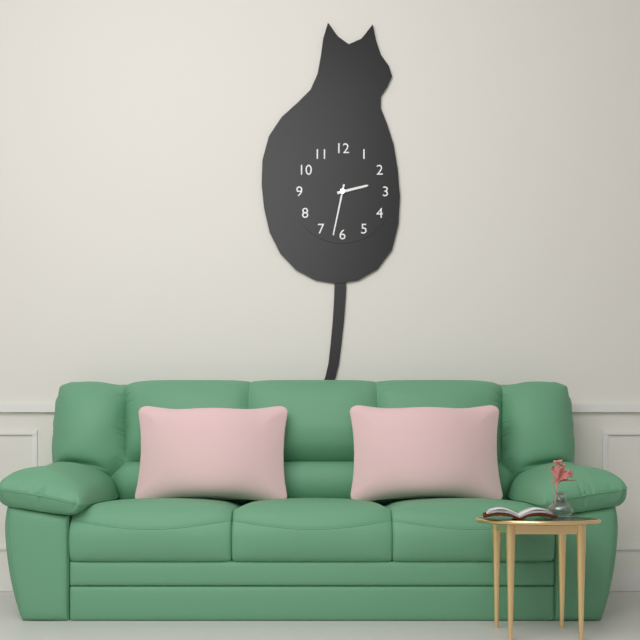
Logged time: 2.32
